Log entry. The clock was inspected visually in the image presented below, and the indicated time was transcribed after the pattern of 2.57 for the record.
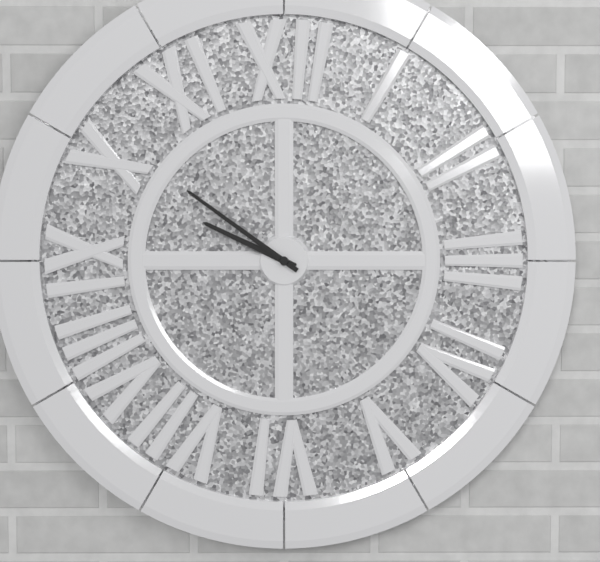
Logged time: 9.51
